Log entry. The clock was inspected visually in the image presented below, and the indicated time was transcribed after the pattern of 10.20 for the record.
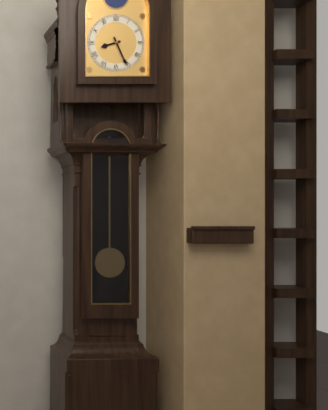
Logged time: 8.26
